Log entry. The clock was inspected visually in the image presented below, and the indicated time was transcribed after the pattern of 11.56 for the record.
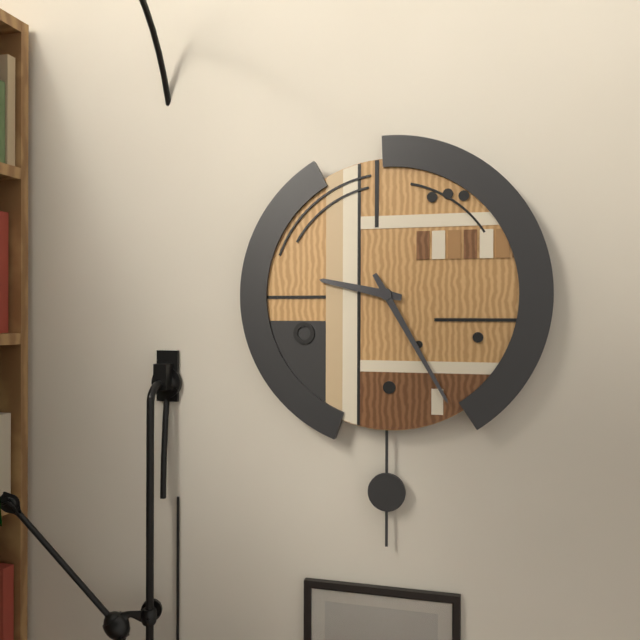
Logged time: 9.25
